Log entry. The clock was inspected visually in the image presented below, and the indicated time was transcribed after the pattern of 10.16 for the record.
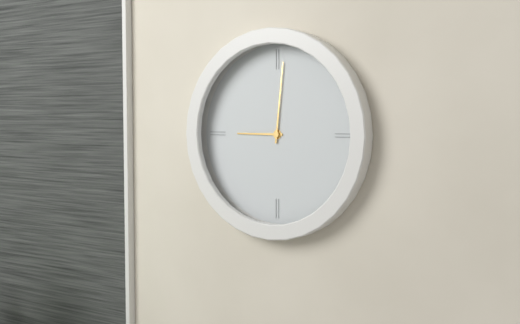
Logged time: 9.01
